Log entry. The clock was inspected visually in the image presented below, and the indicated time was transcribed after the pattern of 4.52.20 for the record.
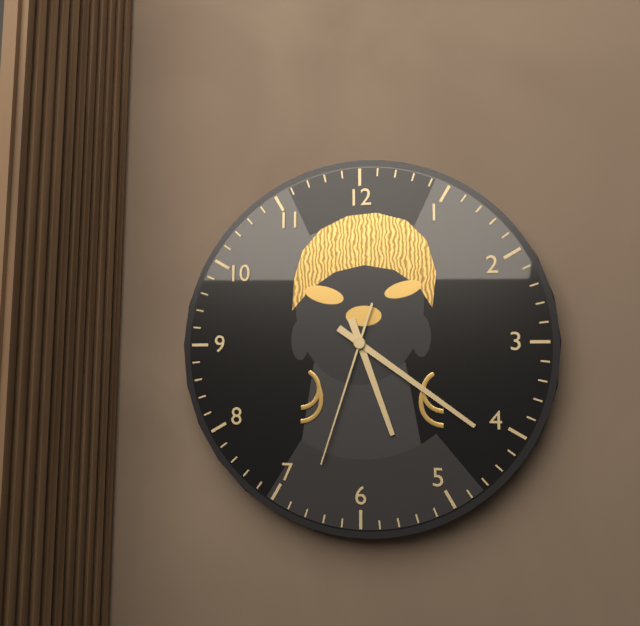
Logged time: 5.21.33
